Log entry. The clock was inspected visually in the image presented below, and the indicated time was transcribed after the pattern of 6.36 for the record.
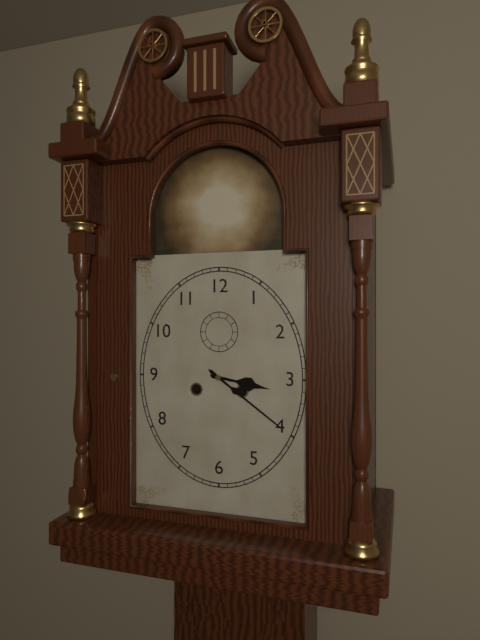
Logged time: 3.21
